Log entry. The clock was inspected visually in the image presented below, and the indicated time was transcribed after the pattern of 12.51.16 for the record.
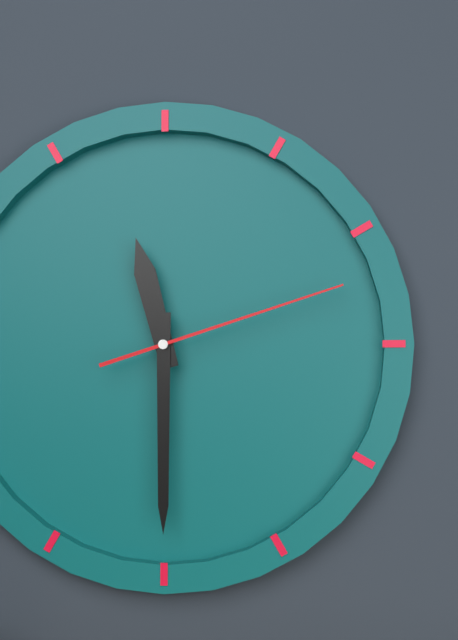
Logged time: 11.30.12
